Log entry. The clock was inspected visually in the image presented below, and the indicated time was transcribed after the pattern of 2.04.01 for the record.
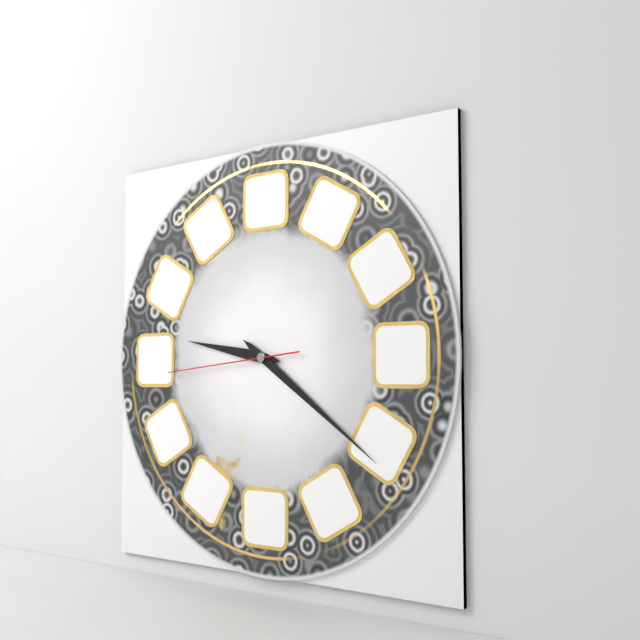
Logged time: 9.21.44
